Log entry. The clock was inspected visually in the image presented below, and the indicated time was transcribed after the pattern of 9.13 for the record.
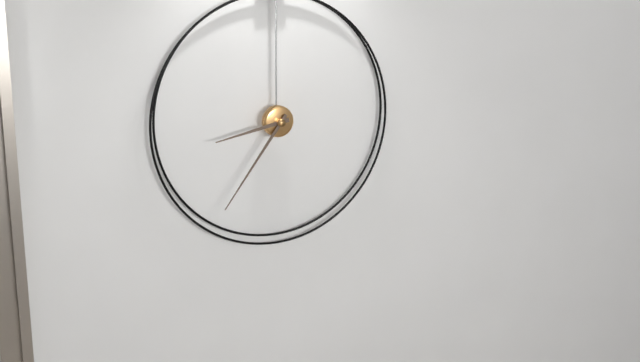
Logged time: 8.36
